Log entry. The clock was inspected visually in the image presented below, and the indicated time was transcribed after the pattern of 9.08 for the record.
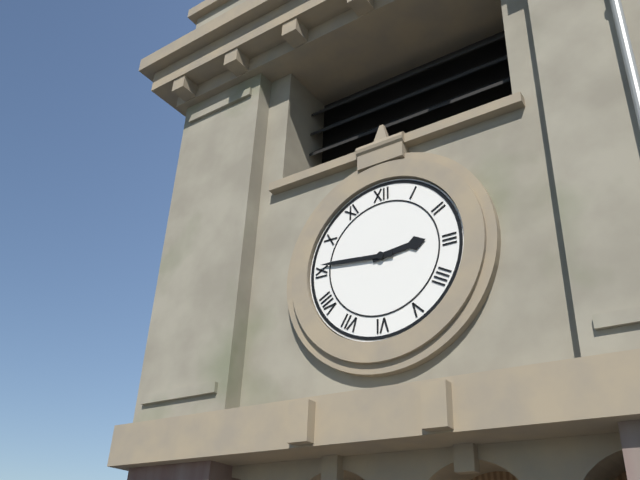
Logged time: 2.46
